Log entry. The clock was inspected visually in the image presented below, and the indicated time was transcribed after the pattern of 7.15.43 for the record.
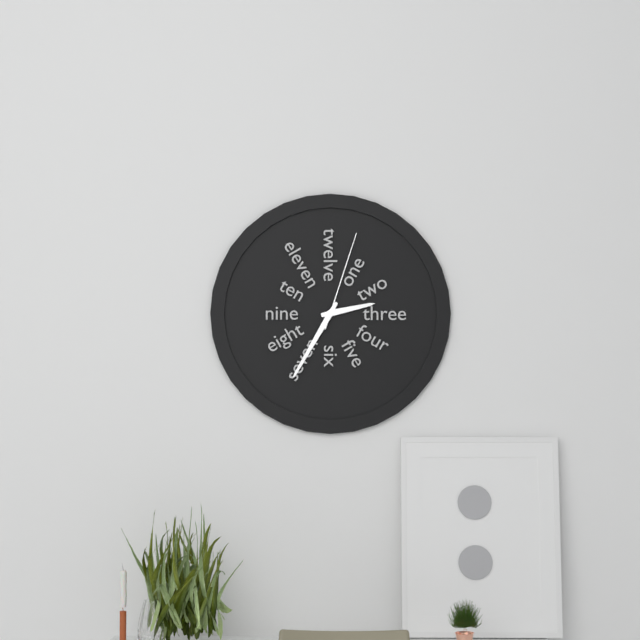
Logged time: 2.35.03
